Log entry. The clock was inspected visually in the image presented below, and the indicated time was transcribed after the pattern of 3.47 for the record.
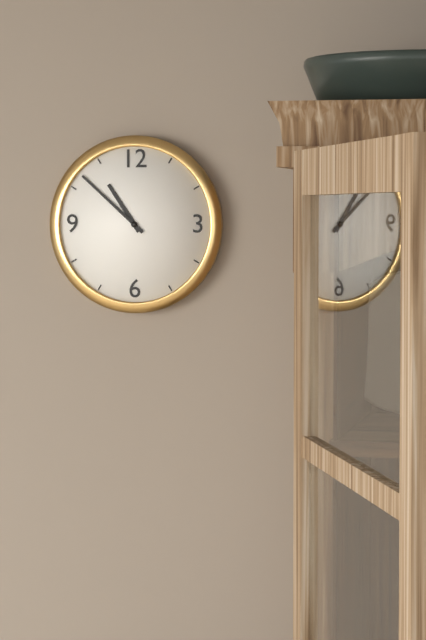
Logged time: 10.52
